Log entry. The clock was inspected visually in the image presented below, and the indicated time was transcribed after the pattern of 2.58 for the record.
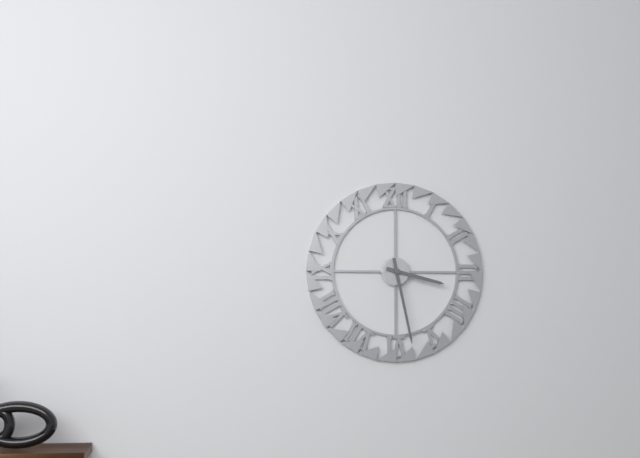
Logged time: 3.28
